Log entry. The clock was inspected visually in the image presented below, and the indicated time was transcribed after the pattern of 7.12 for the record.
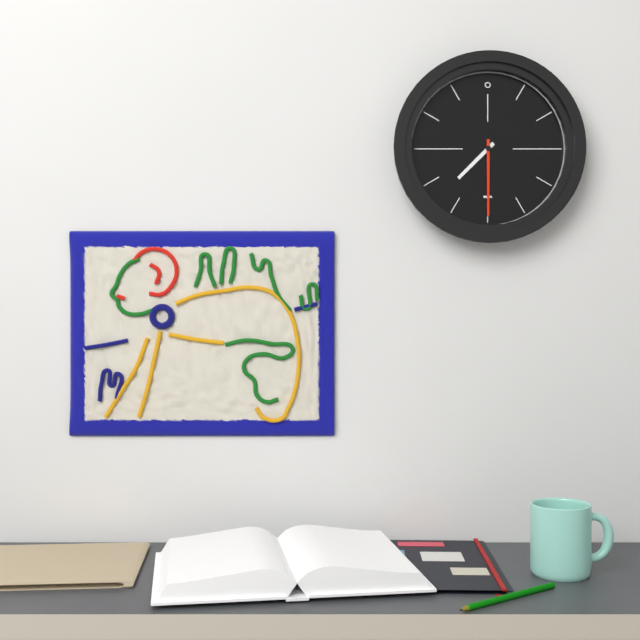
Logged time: 7.30
